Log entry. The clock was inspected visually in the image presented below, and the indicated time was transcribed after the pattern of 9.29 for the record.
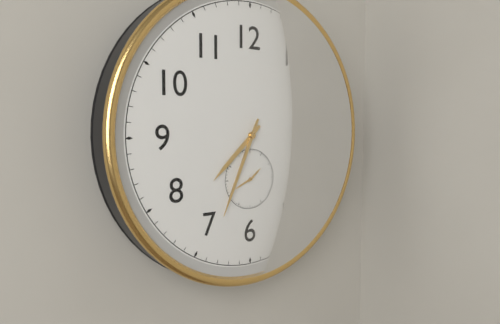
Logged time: 7.34
